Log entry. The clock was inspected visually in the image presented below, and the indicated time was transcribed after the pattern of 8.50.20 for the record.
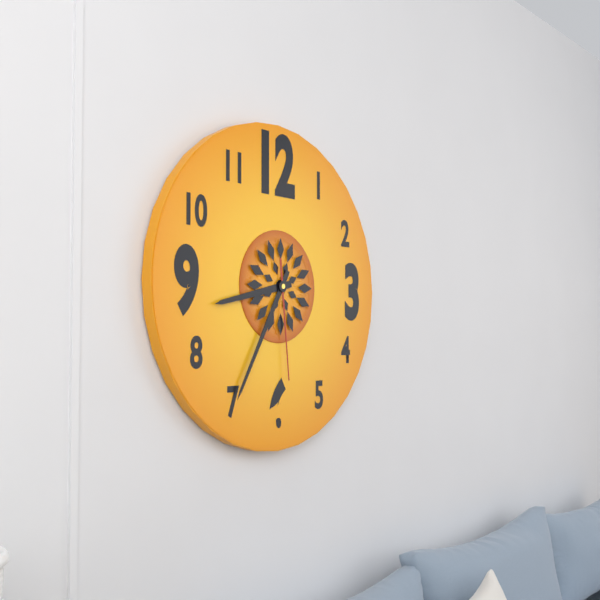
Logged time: 8.35.29
